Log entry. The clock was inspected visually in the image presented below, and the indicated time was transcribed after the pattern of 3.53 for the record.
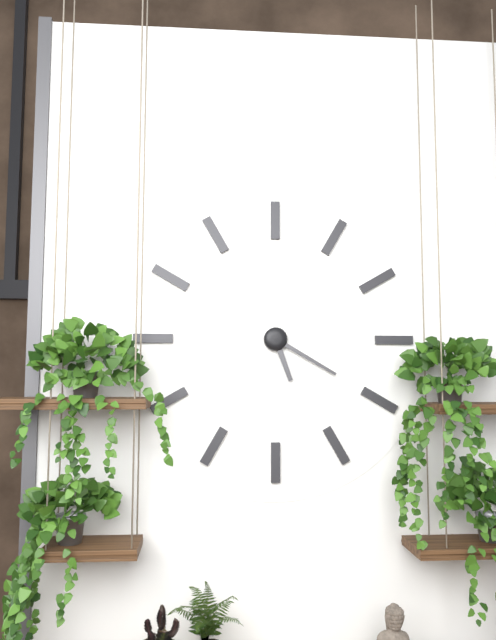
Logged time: 5.20
